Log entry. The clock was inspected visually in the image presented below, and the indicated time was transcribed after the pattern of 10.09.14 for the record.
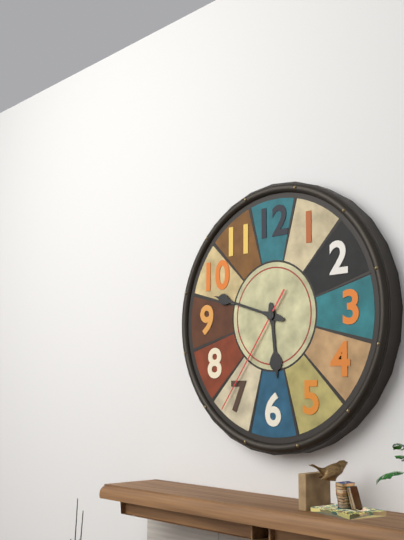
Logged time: 5.48.36
